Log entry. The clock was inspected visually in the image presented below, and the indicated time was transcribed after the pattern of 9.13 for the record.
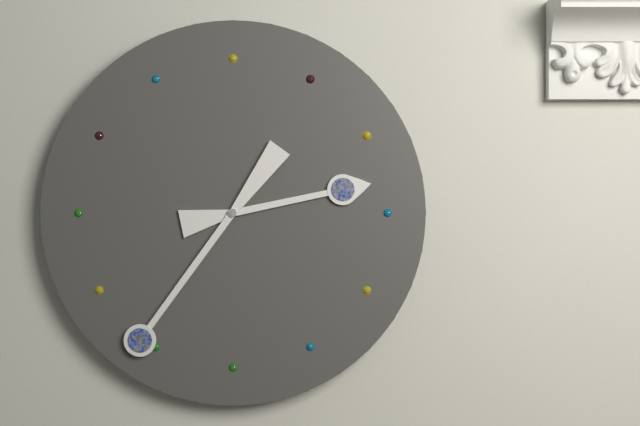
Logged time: 2.36
